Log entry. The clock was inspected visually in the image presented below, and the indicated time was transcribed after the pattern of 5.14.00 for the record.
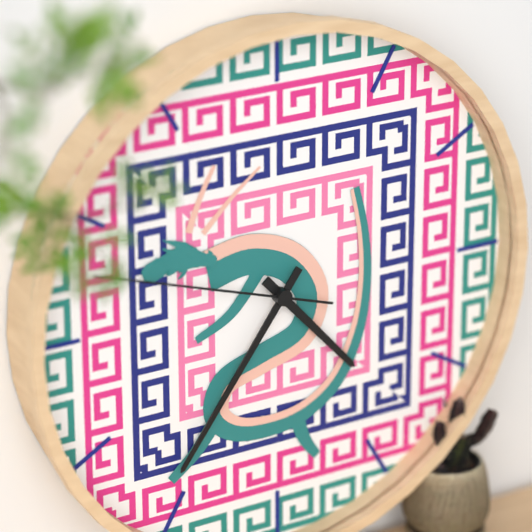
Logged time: 4.36.48
